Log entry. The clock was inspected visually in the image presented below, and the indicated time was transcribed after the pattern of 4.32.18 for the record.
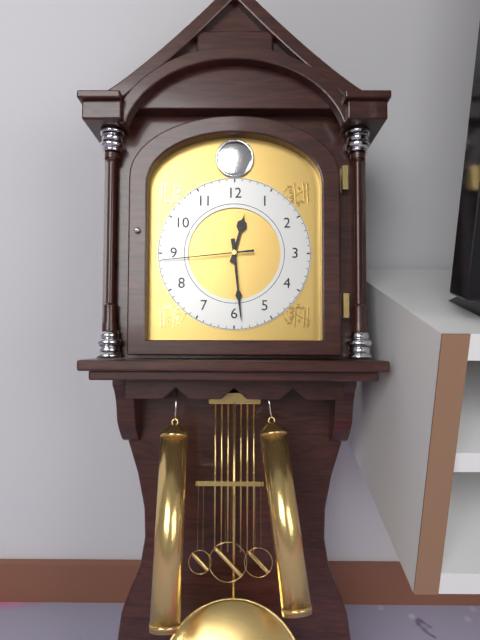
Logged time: 12.29.44
